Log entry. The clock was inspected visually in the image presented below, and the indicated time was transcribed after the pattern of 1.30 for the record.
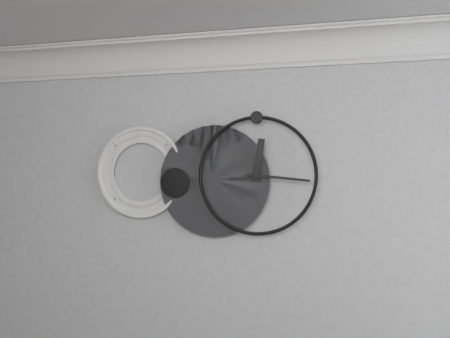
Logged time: 12.16
